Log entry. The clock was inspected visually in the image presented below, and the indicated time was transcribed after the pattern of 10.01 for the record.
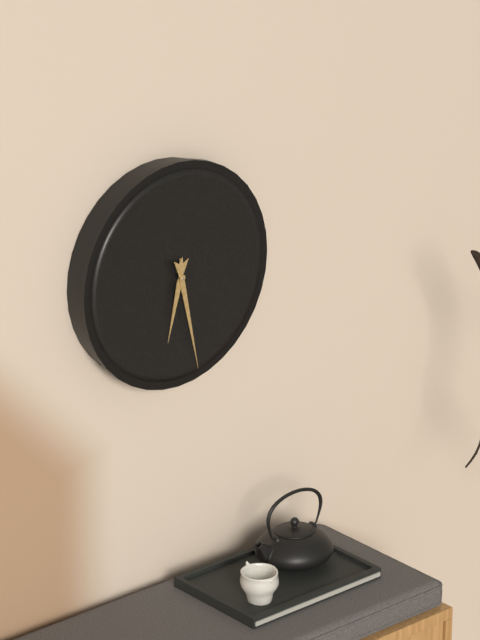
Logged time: 6.28
